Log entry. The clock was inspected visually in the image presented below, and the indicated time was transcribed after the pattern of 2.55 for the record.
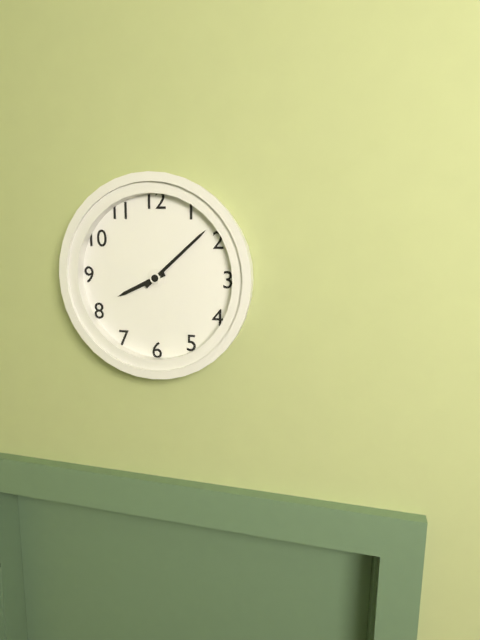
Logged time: 8.08
